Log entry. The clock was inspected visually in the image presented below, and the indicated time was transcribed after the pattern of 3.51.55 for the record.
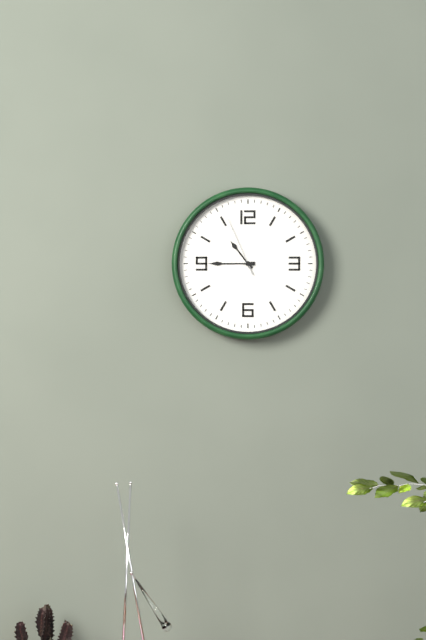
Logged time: 10.45.56
